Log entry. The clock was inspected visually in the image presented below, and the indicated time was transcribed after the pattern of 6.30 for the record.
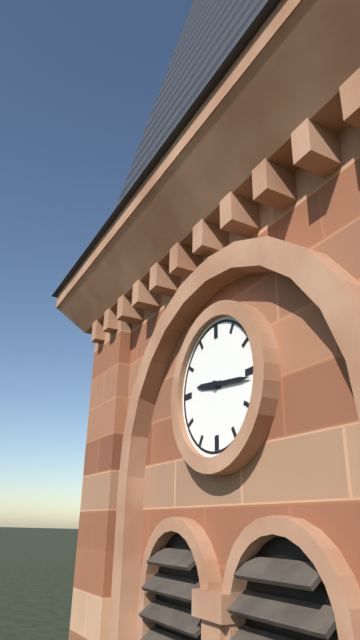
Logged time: 9.16
